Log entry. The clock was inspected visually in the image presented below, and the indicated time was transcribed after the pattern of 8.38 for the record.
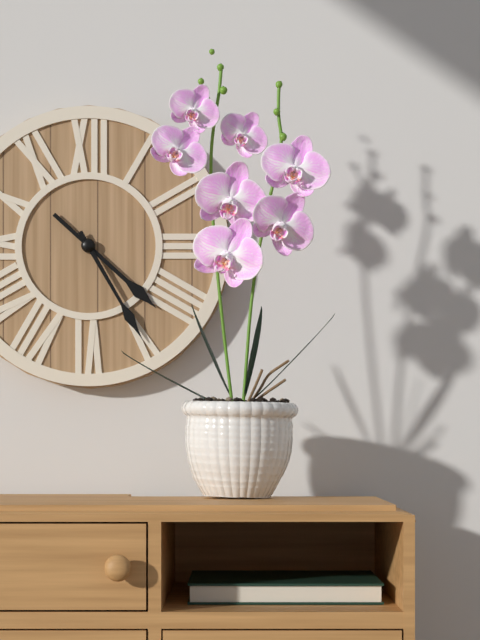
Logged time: 4.25
